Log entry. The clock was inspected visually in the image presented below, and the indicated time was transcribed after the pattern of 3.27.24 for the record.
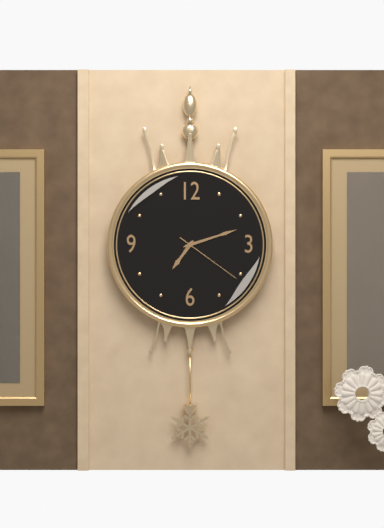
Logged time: 7.12.21
